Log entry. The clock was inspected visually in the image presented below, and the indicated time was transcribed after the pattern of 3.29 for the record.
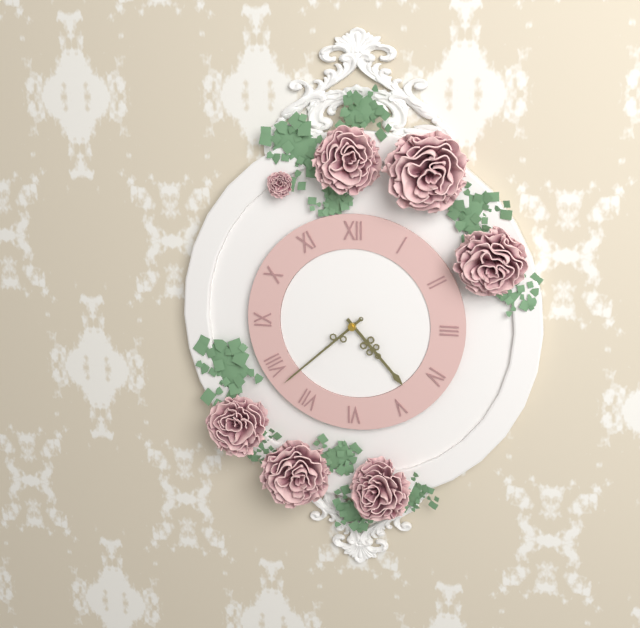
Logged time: 4.38
